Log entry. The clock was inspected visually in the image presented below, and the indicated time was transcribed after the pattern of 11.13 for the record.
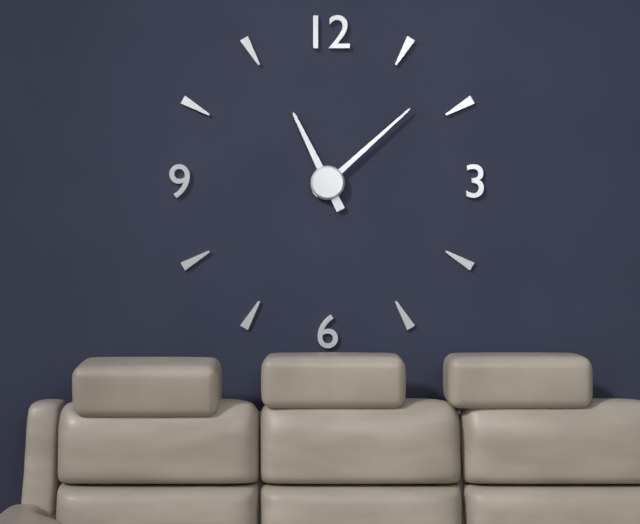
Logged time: 11.08
